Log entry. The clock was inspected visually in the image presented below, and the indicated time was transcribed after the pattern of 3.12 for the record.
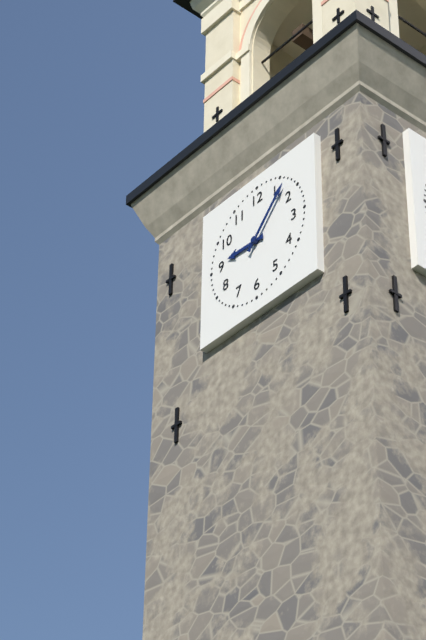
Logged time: 9.07
